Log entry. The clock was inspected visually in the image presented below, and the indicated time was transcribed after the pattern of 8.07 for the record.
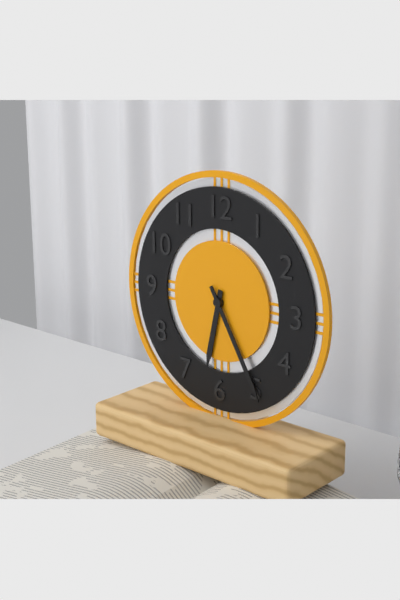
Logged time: 6.25
